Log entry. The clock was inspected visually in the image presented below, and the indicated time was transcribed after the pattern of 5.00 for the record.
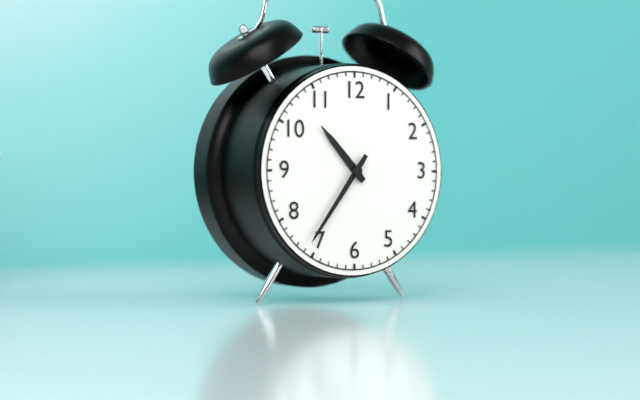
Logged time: 10.36
